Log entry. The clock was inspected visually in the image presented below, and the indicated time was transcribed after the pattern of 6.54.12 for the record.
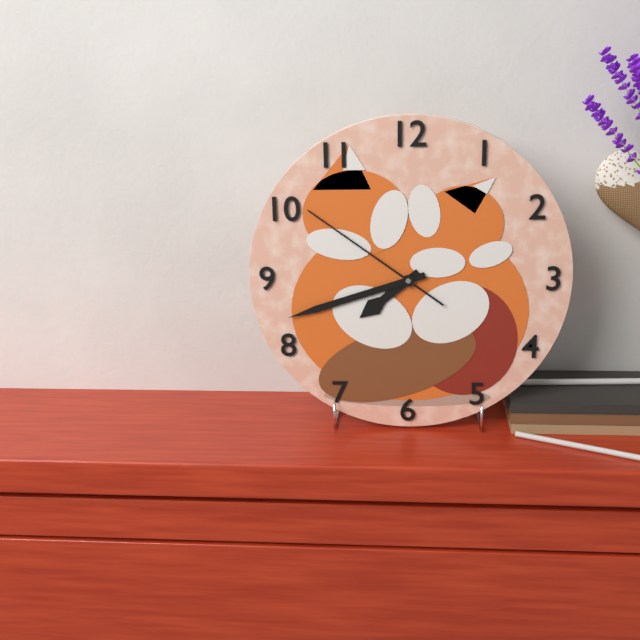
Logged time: 7.42.51
